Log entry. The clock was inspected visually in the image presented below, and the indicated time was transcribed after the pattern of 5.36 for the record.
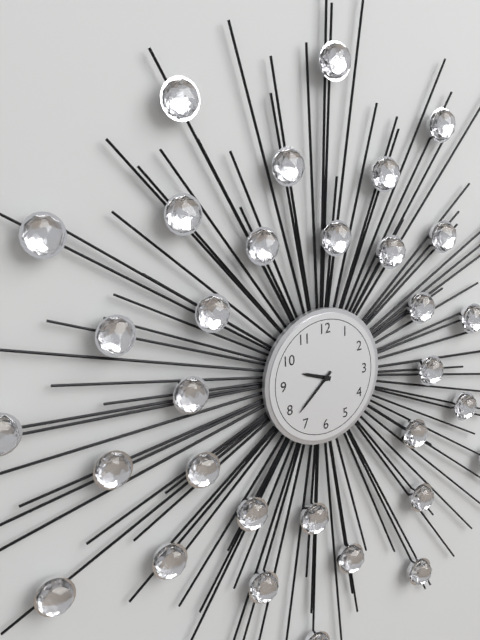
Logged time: 9.38
